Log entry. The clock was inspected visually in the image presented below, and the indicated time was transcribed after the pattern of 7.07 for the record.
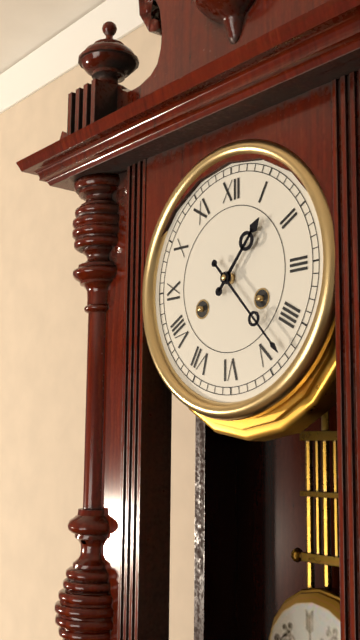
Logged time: 1.23
